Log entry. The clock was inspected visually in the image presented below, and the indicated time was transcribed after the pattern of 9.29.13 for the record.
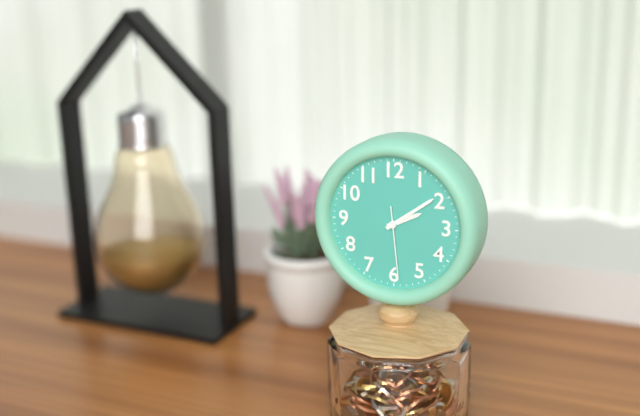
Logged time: 2.09.29
